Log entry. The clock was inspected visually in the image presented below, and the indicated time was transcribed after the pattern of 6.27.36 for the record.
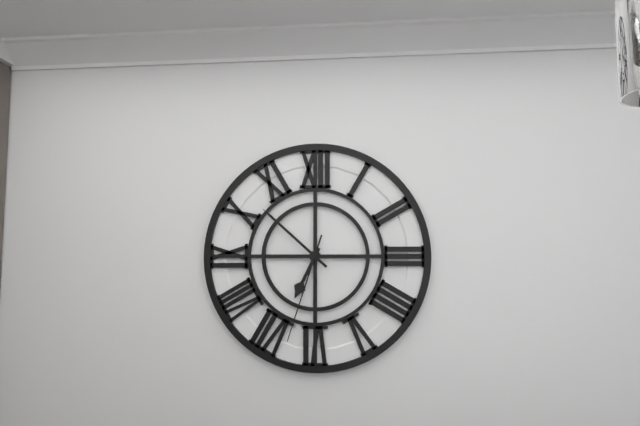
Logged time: 6.52.33
